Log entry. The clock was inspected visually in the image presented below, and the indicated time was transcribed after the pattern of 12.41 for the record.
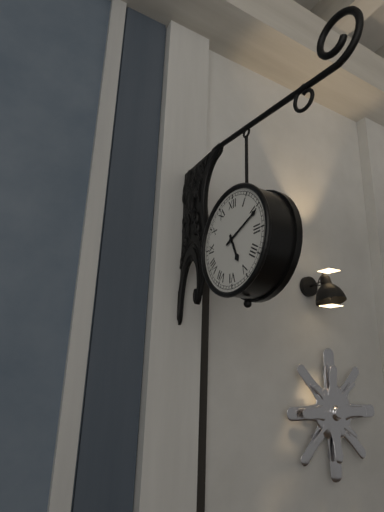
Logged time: 5.11
